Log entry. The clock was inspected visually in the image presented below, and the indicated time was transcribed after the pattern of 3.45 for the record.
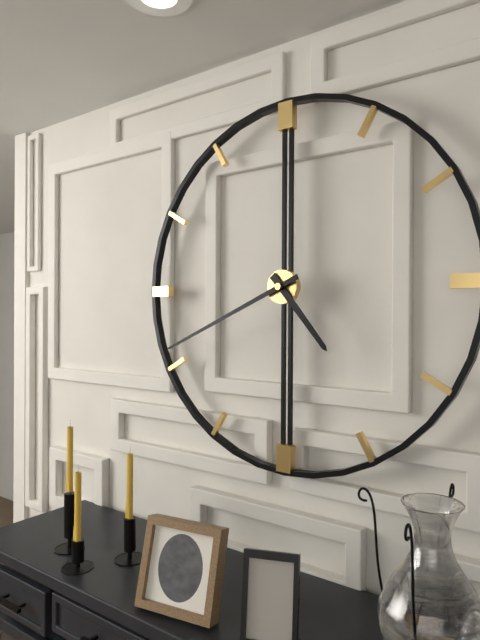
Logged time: 4.41
